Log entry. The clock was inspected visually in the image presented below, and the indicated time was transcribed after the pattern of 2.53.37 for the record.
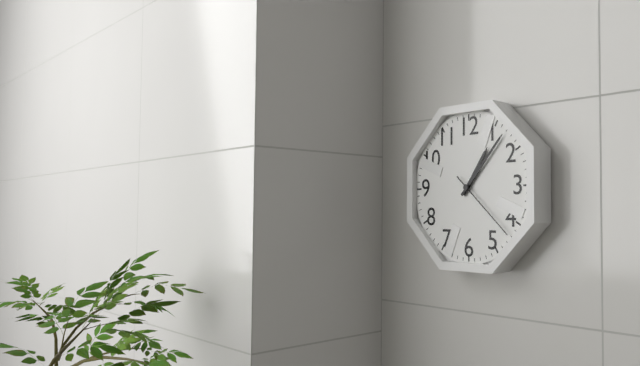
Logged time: 1.07.22
